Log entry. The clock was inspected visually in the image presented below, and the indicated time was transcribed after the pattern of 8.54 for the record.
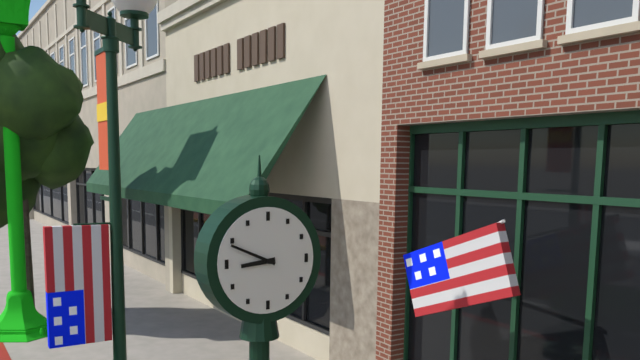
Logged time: 8.49
